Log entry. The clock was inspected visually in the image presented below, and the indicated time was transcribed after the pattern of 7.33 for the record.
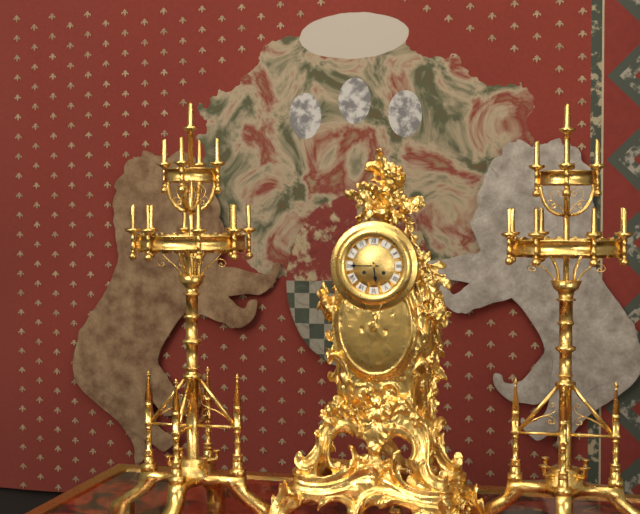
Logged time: 5.45
